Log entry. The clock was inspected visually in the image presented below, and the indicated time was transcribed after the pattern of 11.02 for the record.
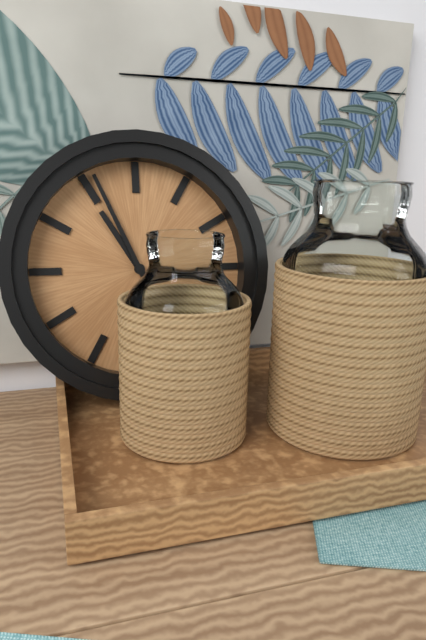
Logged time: 10.56
